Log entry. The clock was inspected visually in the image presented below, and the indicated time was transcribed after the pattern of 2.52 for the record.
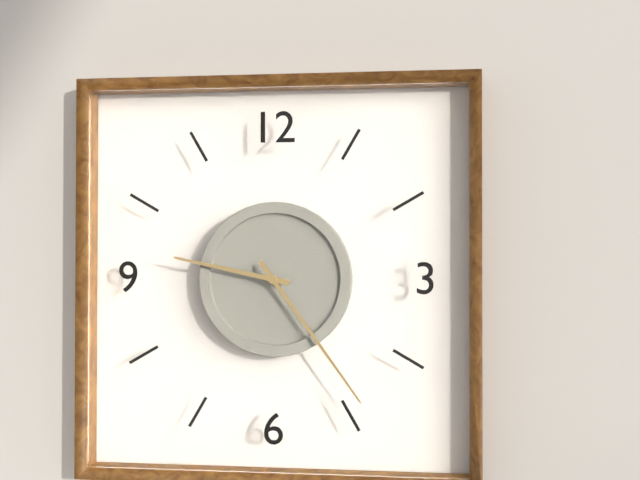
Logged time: 9.24
